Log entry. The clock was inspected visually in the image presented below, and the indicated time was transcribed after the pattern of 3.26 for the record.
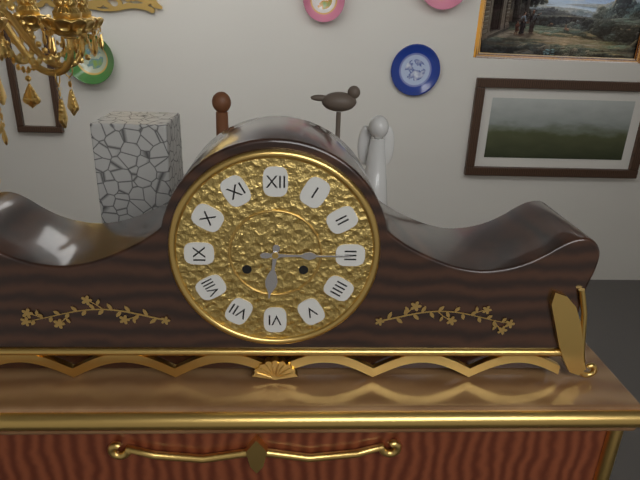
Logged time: 6.15
